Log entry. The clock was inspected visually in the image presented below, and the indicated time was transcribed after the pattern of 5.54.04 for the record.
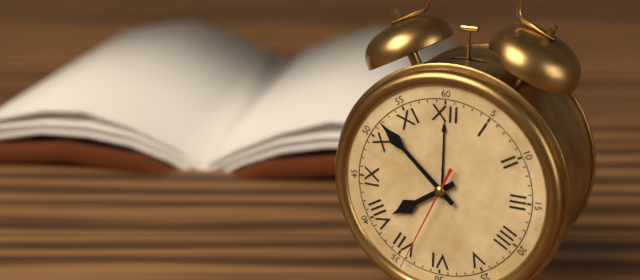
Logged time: 7.52.34
